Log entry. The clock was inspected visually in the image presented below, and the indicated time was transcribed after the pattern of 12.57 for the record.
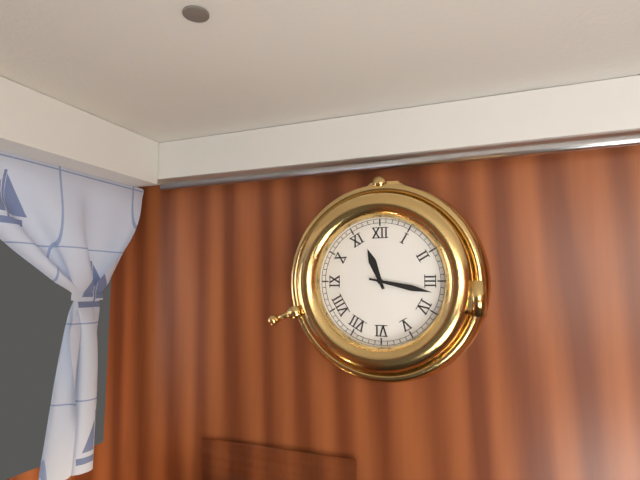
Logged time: 11.17
